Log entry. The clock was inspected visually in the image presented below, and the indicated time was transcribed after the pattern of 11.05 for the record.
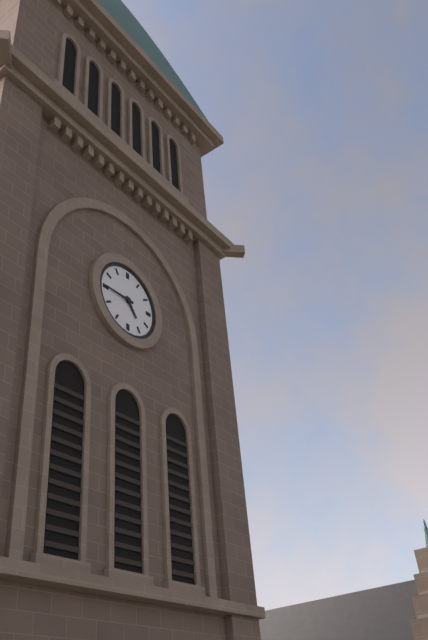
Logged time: 4.45
